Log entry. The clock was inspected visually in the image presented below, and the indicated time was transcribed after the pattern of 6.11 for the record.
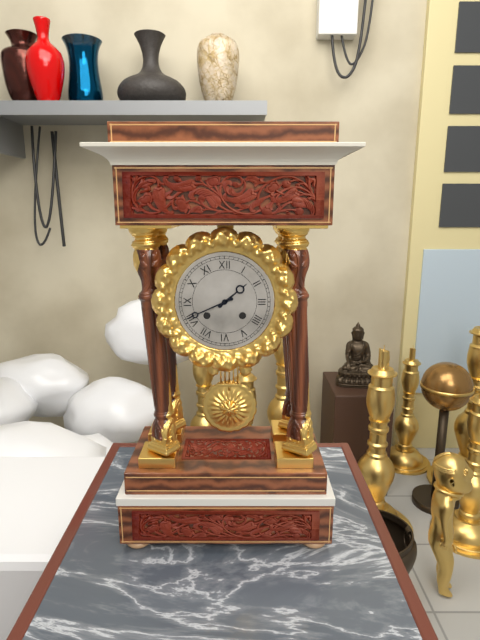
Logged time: 1.41
